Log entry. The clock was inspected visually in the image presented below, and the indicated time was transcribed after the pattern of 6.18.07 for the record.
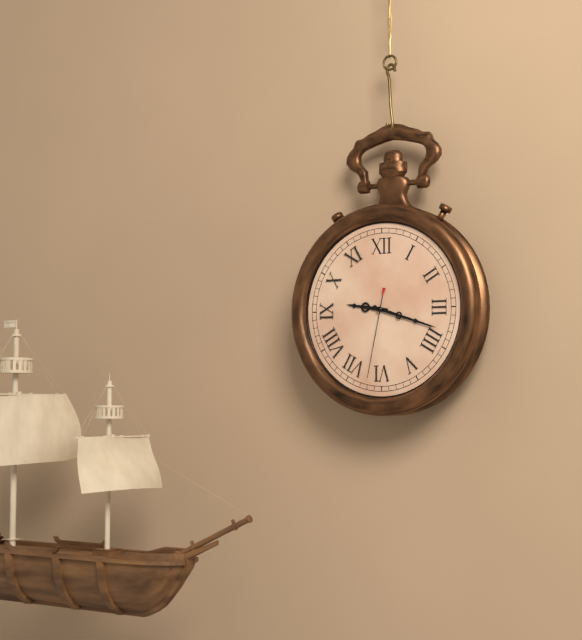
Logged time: 9.18.32
